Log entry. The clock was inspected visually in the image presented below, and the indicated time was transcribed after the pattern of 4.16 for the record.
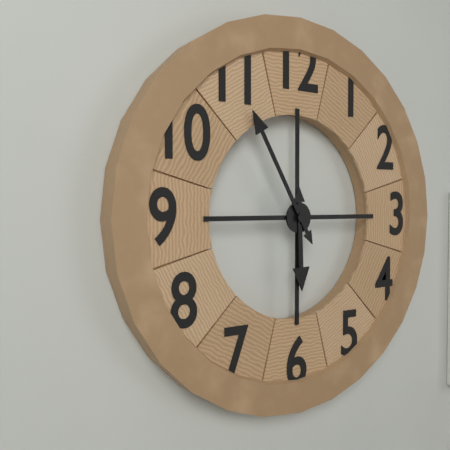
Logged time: 5.55
